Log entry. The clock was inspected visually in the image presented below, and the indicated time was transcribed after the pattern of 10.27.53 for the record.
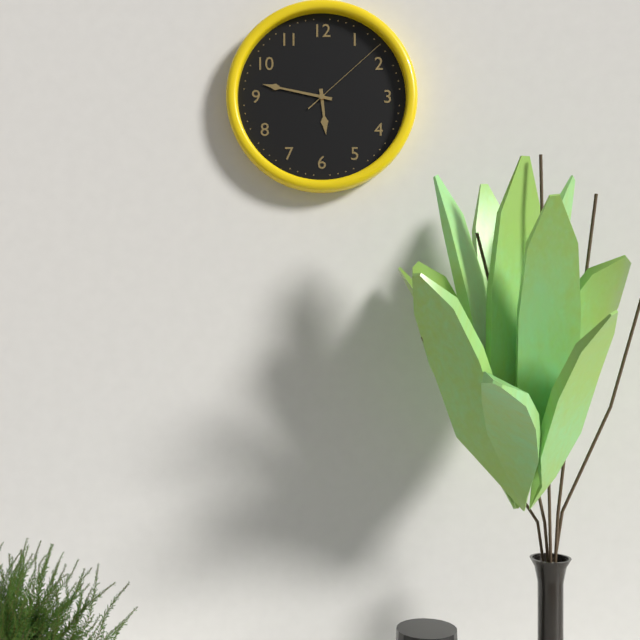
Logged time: 5.47.08
